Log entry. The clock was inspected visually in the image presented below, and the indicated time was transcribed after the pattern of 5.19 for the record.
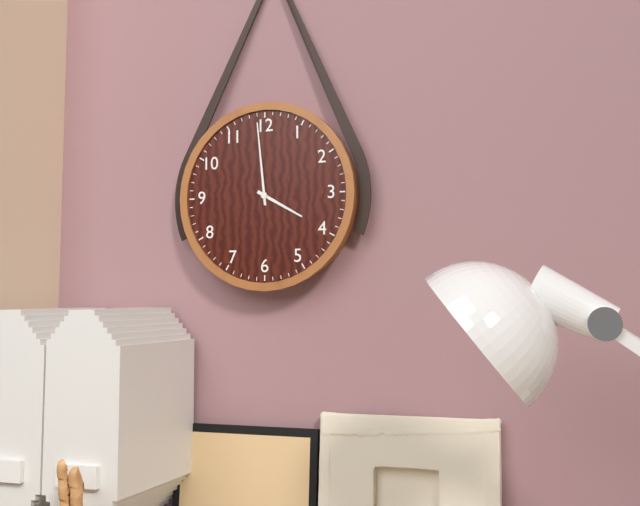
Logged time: 3.59
